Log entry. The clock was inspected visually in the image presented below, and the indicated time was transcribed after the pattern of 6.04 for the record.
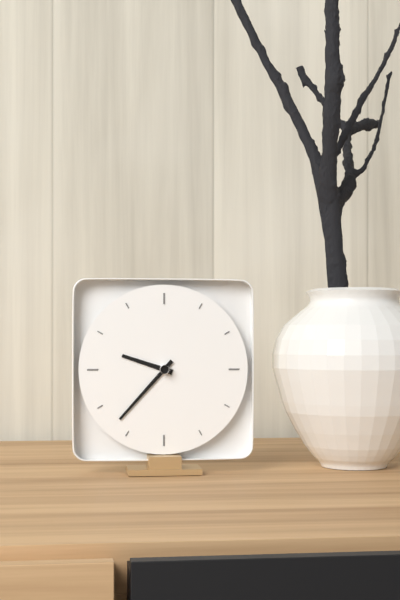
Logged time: 9.37
